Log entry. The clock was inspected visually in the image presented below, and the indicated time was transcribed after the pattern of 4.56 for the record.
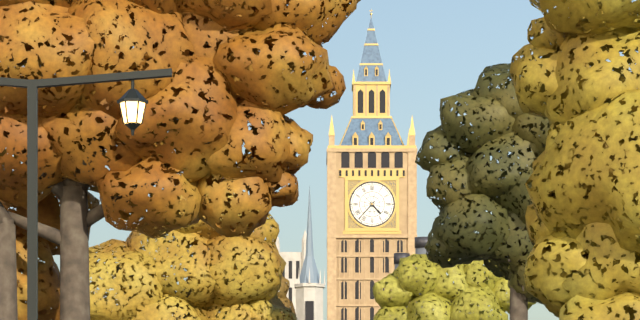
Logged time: 4.37
